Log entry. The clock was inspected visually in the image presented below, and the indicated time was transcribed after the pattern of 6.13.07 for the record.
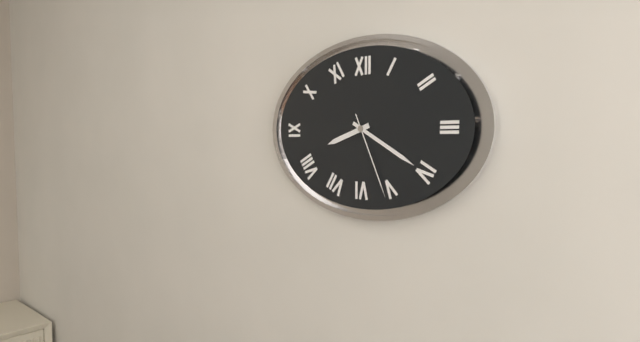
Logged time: 8.20.26
